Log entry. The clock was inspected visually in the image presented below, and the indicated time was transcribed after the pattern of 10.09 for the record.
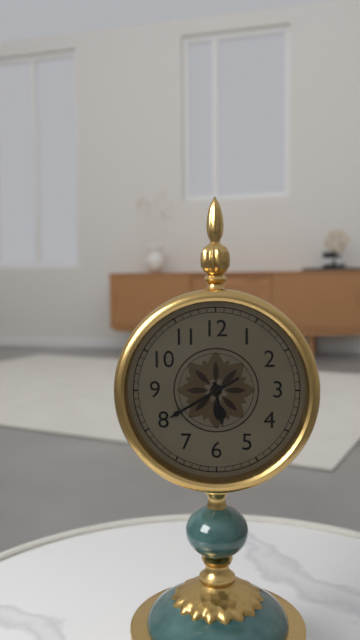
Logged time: 5.40
